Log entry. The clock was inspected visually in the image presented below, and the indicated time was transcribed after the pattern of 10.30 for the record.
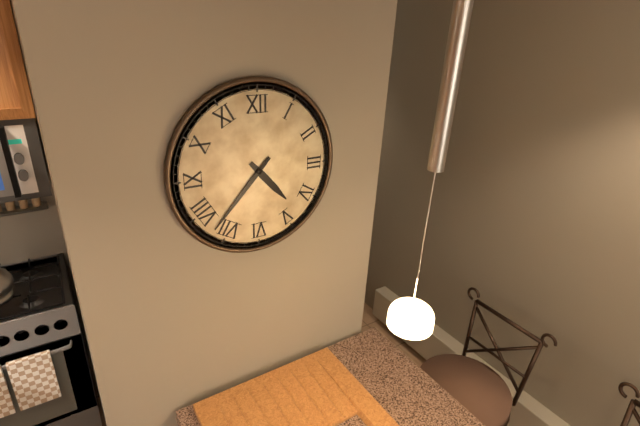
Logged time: 4.37
